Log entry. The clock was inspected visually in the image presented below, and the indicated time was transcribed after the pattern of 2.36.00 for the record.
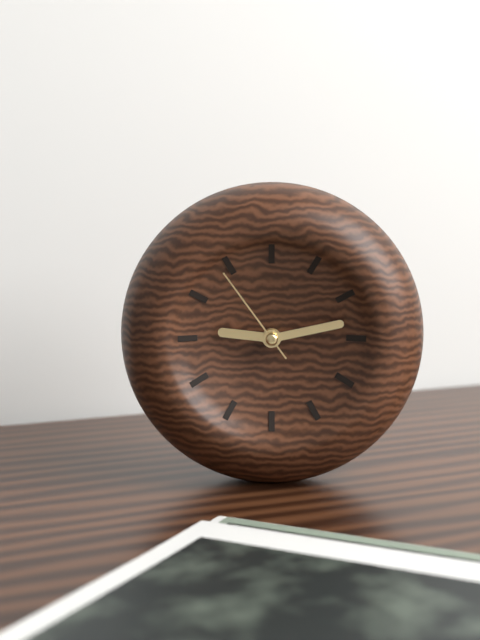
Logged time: 9.13.54
